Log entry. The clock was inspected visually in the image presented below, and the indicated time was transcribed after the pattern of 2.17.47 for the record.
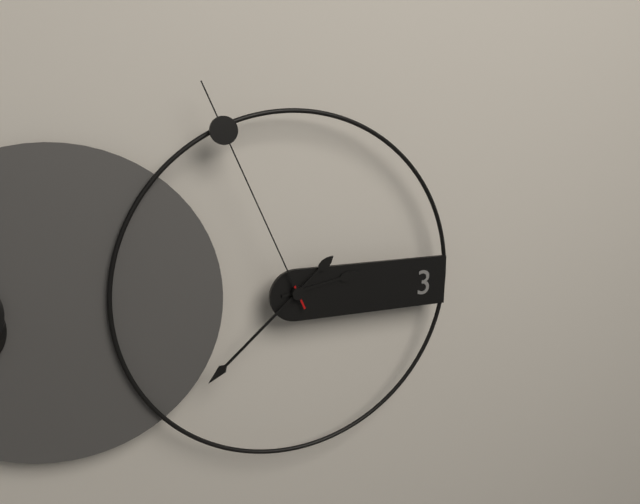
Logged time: 2.38.56
